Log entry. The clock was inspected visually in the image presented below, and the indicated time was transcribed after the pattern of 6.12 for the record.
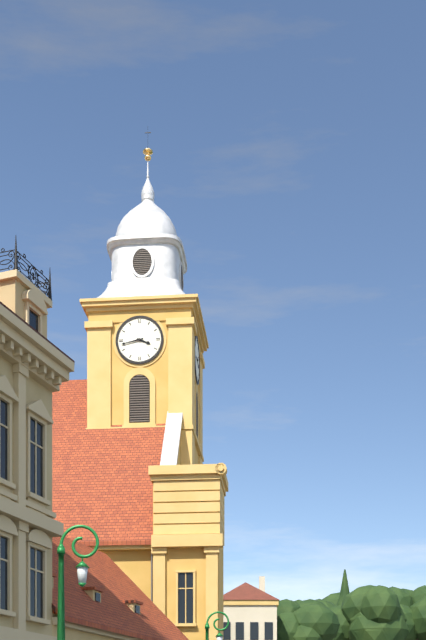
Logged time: 3.43
